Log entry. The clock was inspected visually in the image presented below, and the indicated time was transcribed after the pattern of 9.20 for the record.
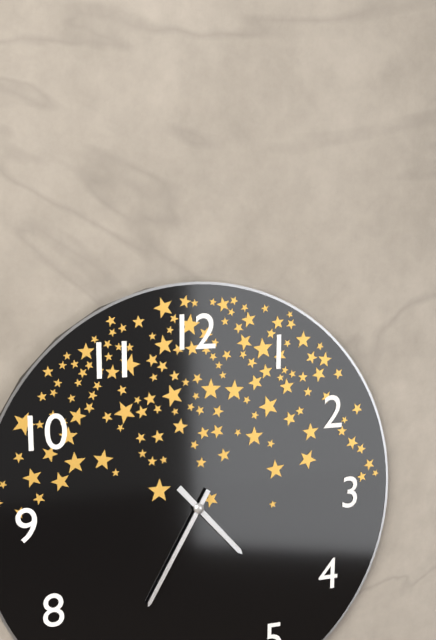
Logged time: 4.35
